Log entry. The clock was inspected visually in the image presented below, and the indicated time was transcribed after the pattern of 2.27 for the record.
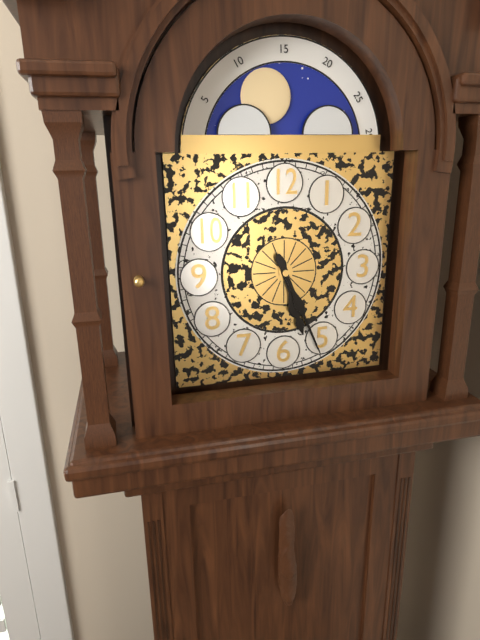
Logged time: 5.26
